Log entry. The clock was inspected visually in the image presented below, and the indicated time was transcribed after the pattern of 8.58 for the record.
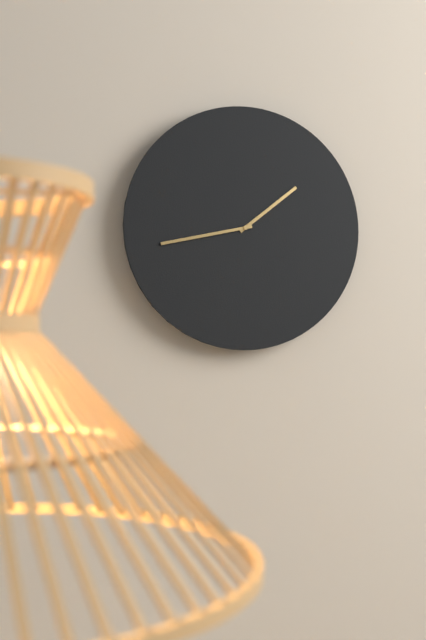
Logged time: 1.43
